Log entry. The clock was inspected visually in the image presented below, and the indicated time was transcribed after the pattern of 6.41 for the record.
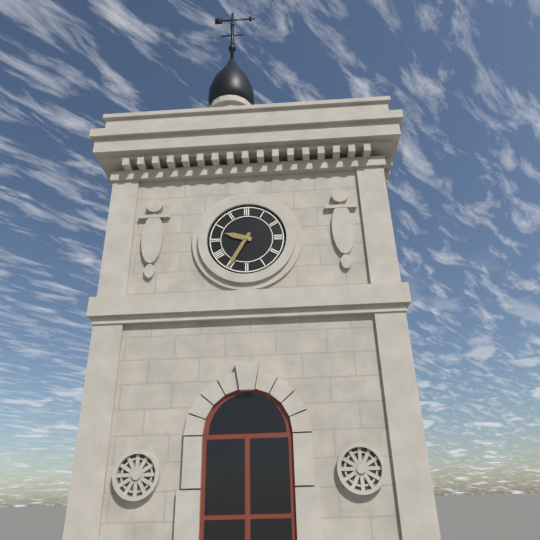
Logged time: 9.35
